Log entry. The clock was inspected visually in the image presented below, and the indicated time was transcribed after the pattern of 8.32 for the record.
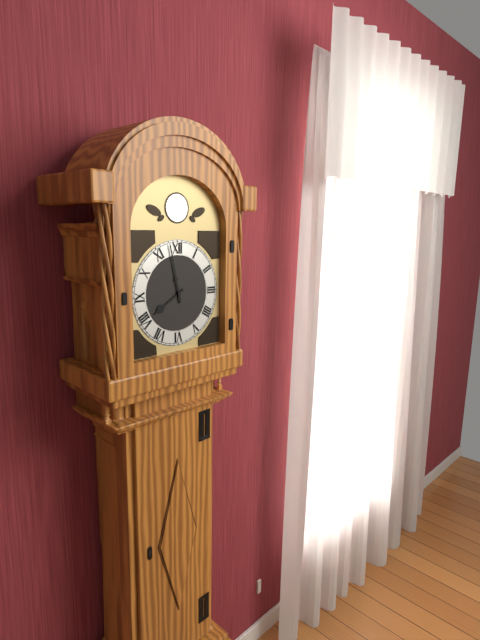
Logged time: 7.58
